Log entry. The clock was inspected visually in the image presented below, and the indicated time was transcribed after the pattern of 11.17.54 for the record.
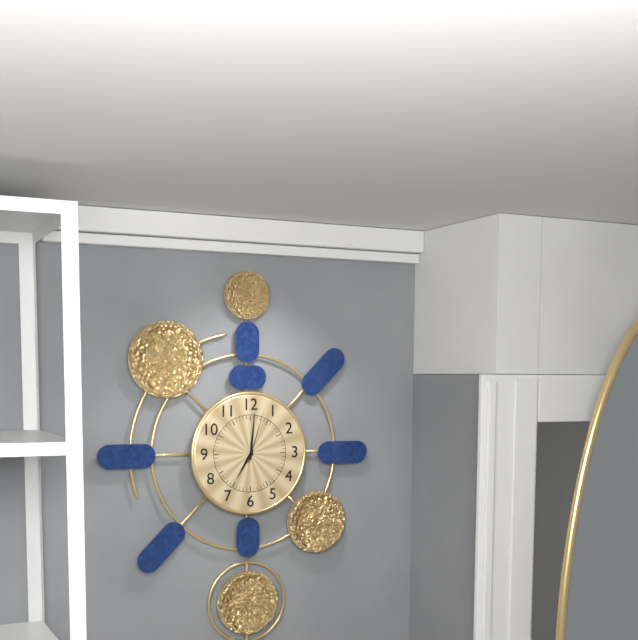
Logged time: 7.01.03
